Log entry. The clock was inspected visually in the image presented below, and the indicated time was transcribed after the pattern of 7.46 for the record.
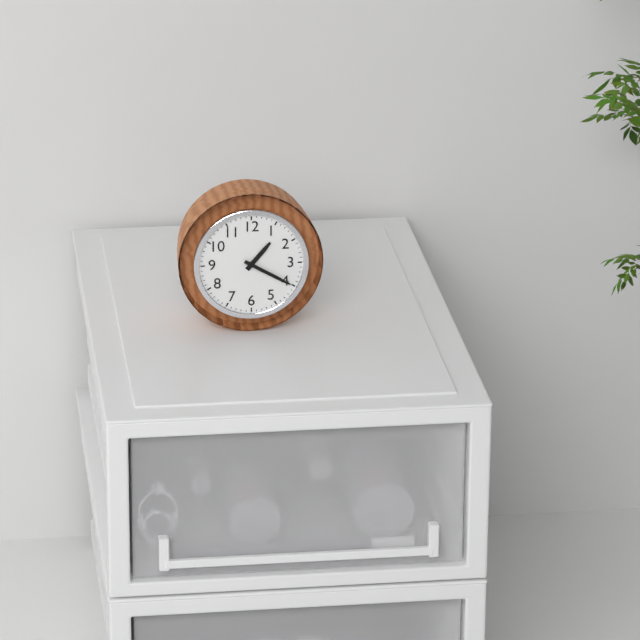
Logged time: 1.20
